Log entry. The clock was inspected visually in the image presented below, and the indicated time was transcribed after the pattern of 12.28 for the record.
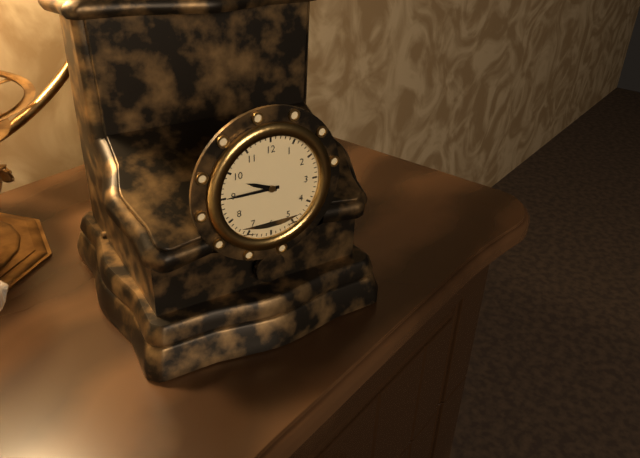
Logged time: 9.45
